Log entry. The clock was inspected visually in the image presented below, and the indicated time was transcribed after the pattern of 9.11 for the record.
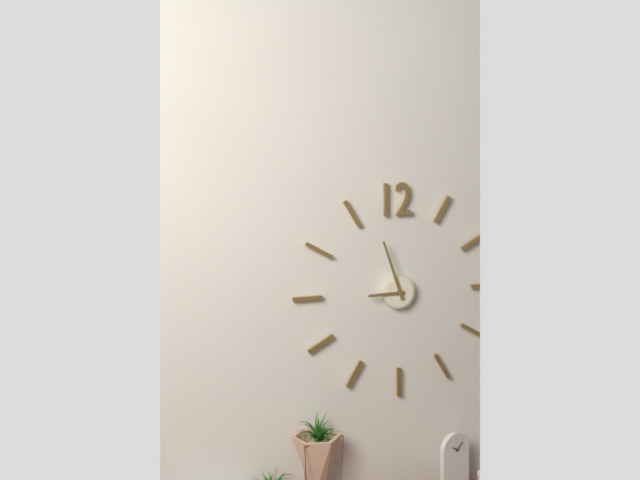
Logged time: 8.57
